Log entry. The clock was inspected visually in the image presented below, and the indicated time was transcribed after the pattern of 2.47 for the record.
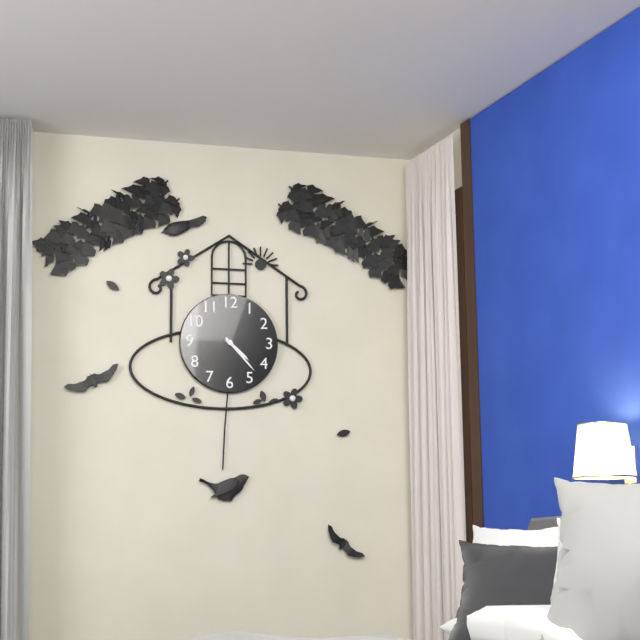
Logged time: 4.23
